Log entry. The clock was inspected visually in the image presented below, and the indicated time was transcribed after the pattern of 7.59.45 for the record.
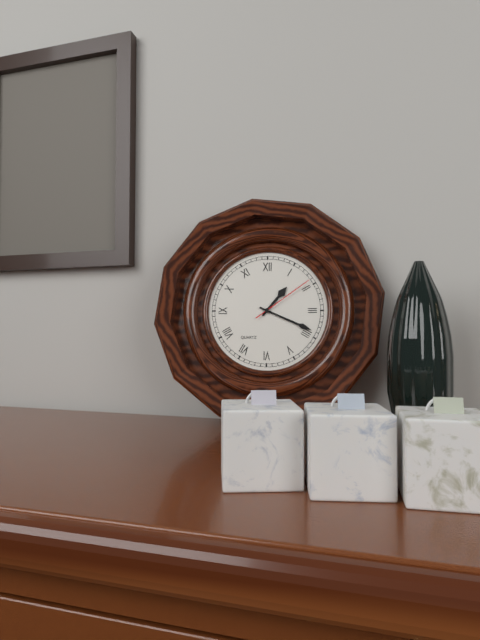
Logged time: 1.19.09
